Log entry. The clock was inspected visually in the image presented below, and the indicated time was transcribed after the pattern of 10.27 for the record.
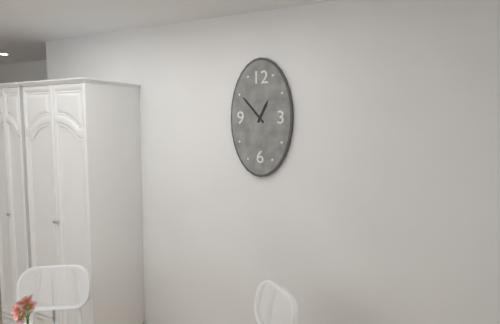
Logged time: 12.53
